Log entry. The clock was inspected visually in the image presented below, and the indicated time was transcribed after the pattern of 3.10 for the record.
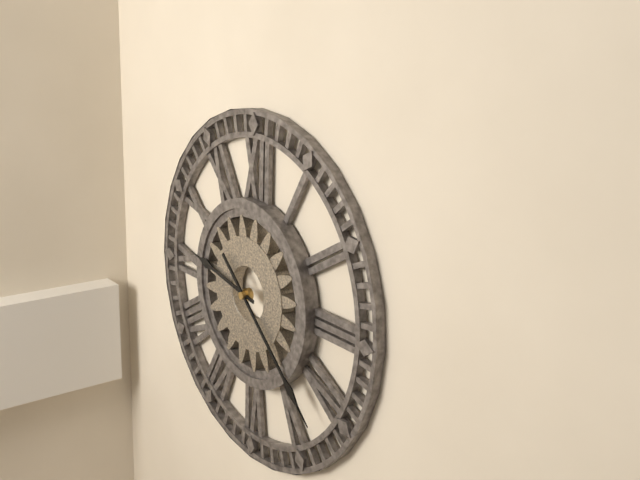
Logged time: 9.22
